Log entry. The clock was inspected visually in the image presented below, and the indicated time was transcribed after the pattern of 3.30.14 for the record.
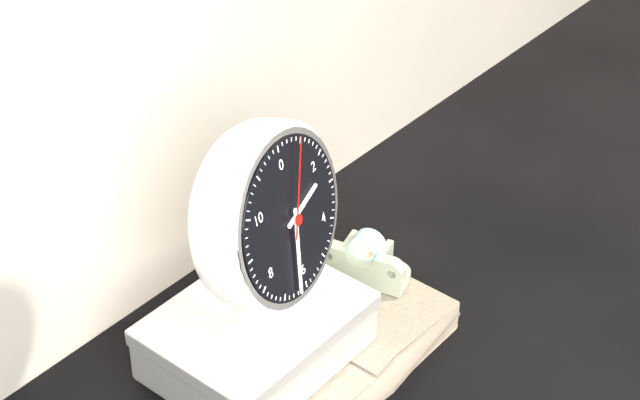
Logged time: 2.32.04
